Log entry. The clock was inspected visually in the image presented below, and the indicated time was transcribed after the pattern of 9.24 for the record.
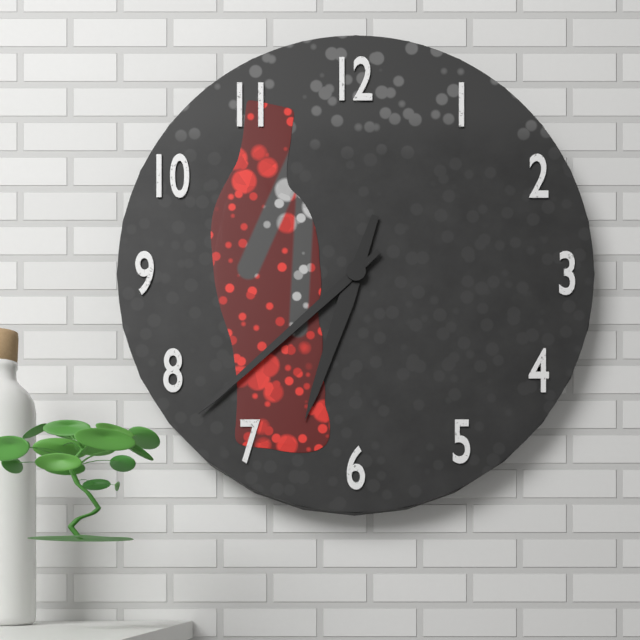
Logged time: 6.38
